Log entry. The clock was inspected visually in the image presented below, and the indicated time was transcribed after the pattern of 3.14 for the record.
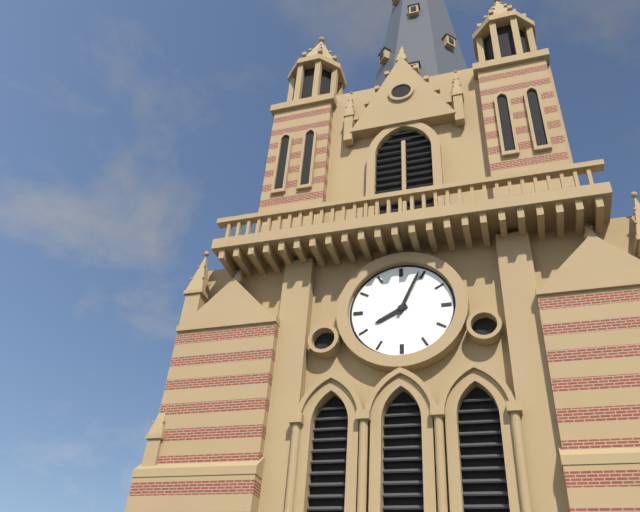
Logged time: 8.04
